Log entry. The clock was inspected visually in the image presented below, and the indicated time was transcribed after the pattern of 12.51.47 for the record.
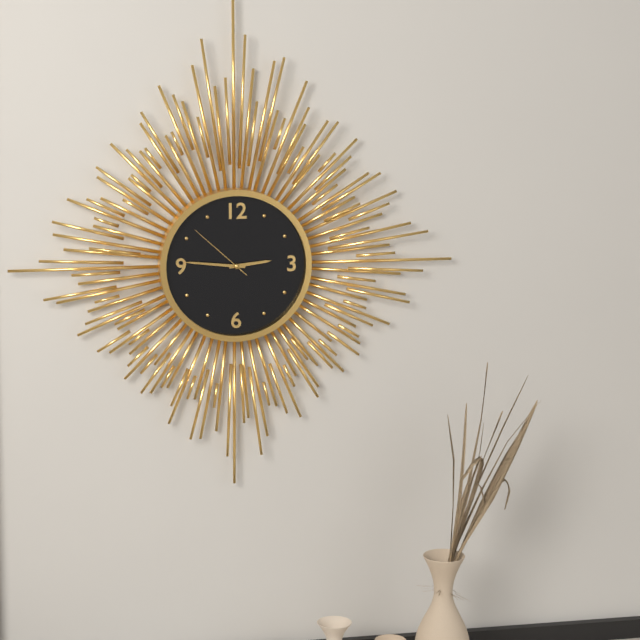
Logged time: 2.46.52
